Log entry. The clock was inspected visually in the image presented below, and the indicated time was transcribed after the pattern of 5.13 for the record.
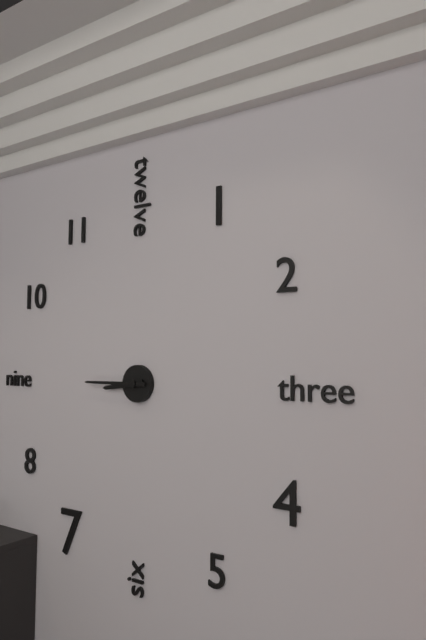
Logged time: 8.45
